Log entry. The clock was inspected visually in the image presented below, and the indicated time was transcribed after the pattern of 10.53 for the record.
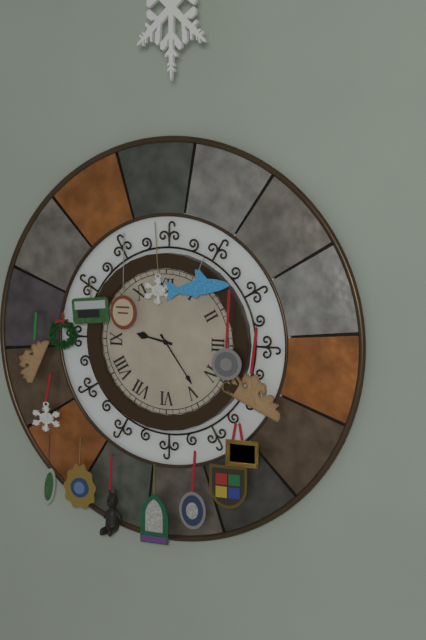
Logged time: 9.24
